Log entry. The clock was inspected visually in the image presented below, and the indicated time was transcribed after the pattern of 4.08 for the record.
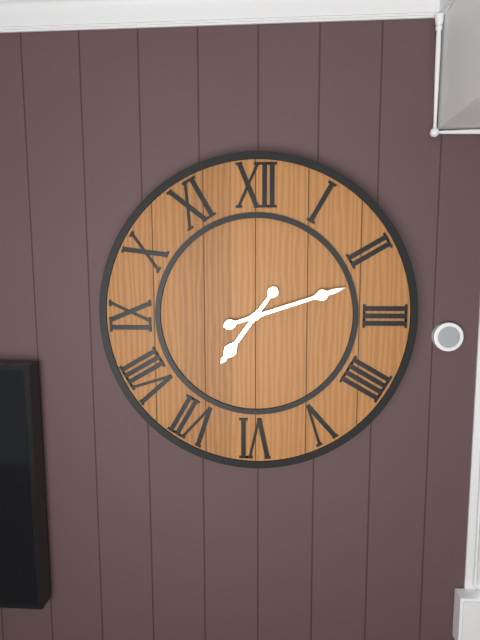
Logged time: 7.12
